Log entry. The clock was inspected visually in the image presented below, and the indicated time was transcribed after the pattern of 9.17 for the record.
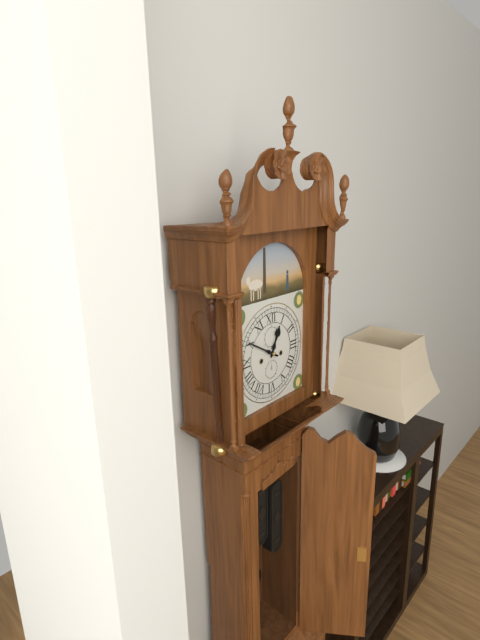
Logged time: 12.50
